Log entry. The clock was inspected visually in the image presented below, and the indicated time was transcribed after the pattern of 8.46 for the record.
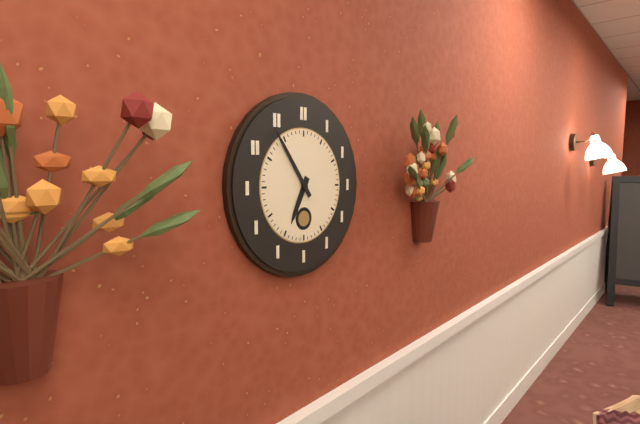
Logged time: 6.54
